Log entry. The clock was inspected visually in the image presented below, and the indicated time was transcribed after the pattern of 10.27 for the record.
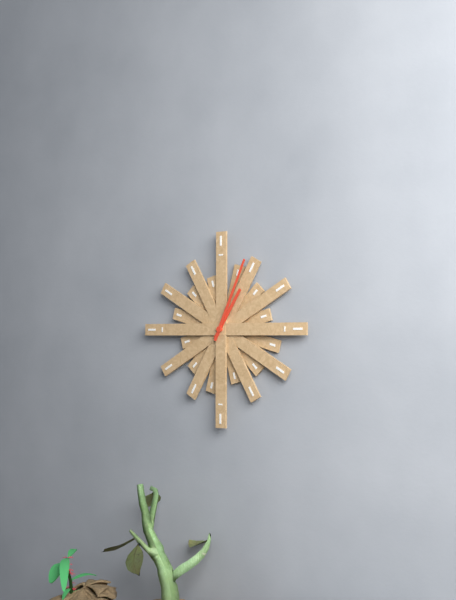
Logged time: 1.04
